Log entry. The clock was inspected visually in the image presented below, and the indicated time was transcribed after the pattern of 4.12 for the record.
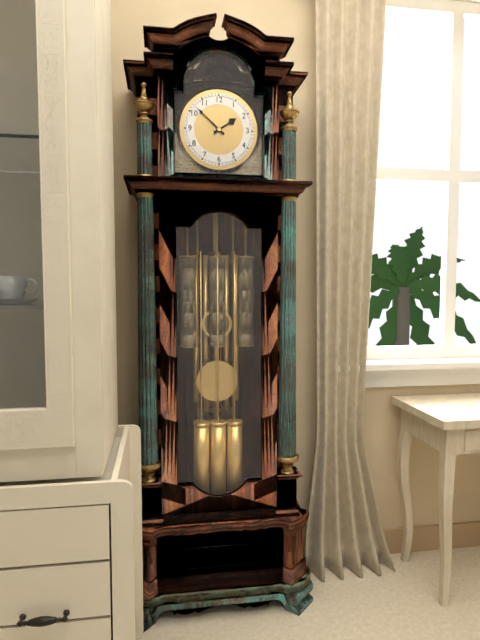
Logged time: 1.52
